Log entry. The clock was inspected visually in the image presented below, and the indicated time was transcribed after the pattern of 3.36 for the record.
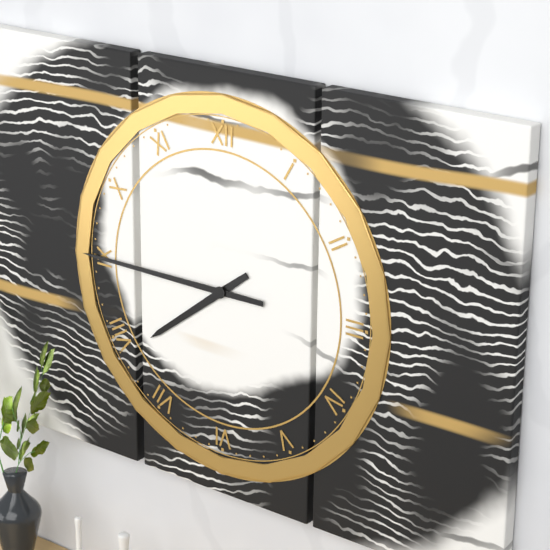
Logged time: 7.45
